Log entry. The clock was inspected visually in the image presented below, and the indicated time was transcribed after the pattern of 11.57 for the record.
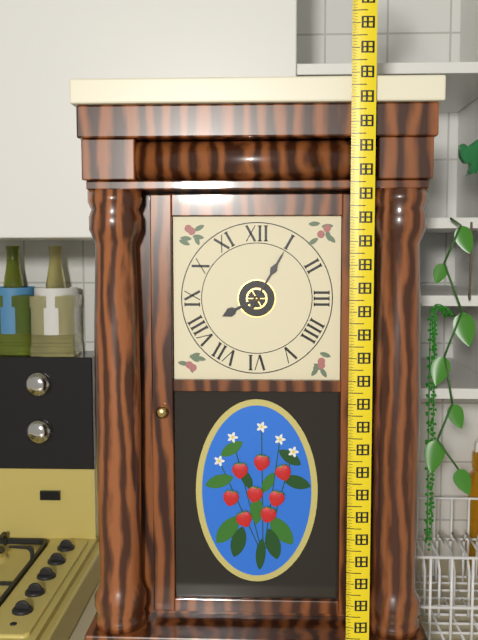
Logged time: 8.05
